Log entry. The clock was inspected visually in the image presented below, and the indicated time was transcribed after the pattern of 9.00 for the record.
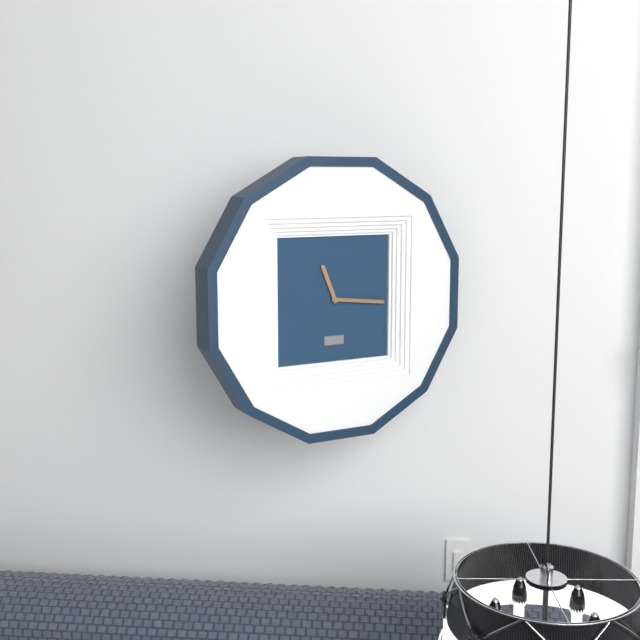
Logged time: 11.16
